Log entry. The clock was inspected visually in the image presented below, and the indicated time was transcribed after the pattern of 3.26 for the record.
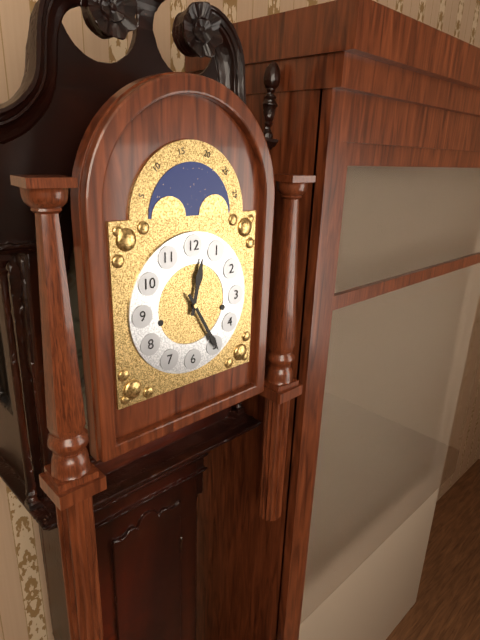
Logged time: 12.25
